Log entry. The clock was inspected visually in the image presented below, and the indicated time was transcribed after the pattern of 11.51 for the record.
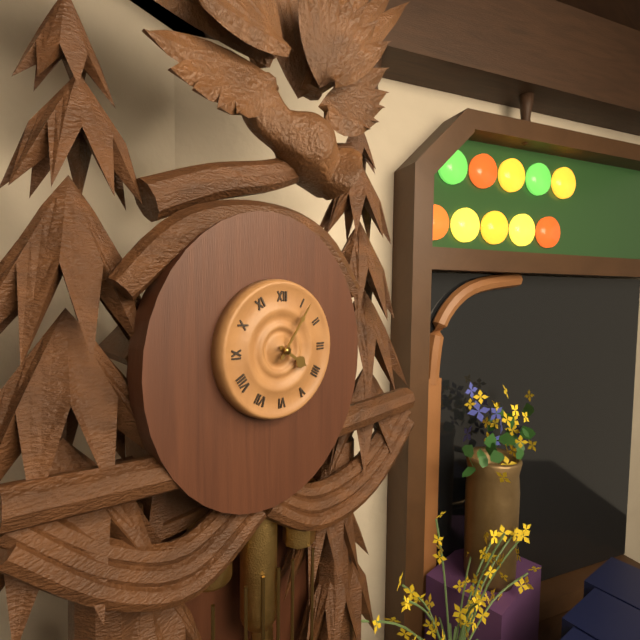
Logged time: 4.06
